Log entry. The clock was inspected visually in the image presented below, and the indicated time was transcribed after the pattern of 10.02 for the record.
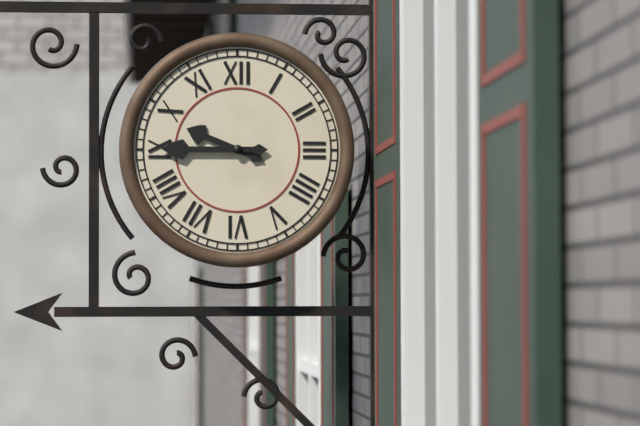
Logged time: 9.45
